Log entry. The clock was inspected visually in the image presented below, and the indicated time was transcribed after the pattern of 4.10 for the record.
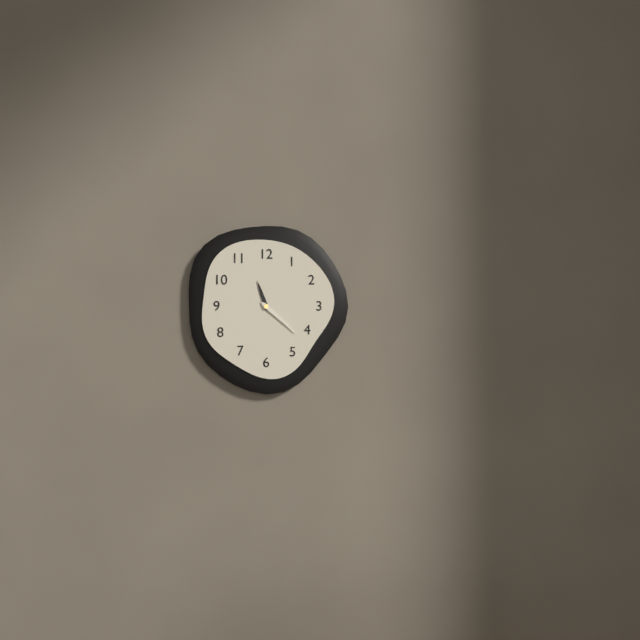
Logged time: 11.22
